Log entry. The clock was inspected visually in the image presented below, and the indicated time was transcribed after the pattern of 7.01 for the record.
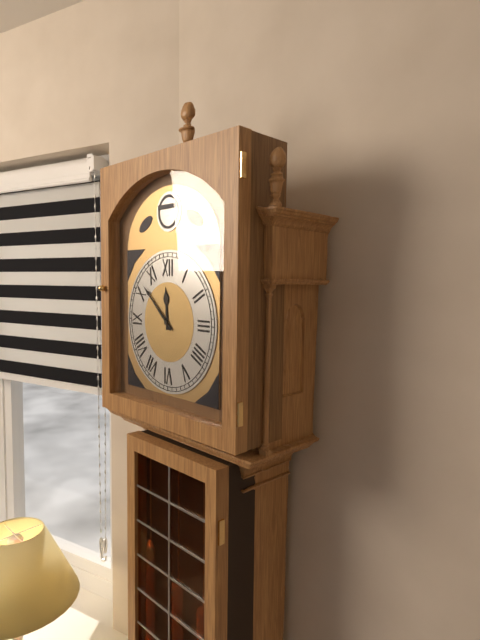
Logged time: 11.52
